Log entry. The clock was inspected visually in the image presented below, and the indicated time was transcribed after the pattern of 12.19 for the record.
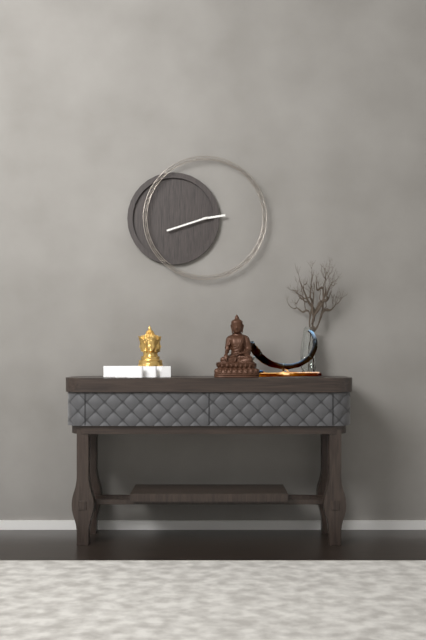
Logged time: 2.42
